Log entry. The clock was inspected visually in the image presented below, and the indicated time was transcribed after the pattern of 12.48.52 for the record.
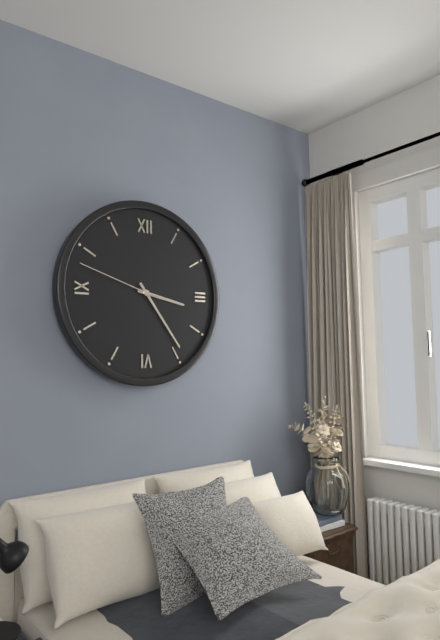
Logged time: 3.24.48
